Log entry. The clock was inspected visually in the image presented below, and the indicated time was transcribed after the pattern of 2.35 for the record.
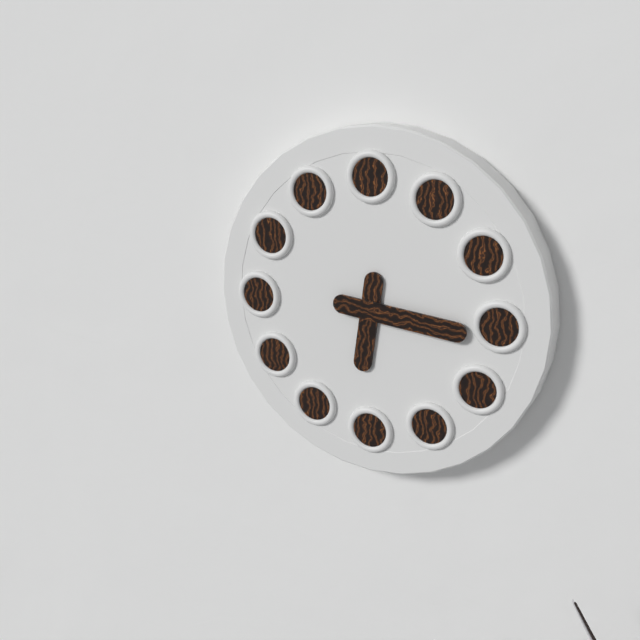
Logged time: 6.16
